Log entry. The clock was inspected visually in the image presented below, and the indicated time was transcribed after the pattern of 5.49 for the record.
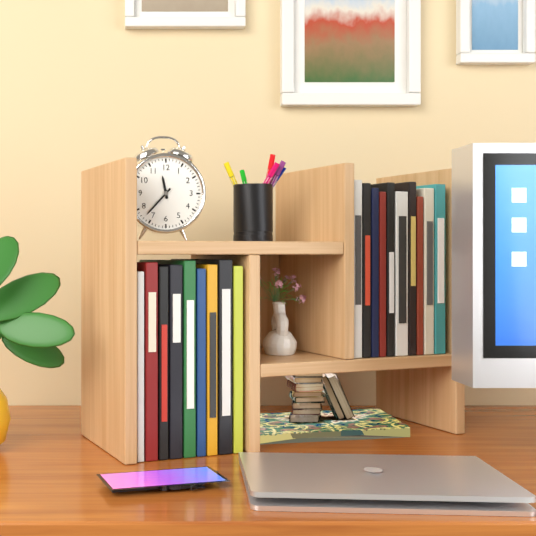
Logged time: 11.37
